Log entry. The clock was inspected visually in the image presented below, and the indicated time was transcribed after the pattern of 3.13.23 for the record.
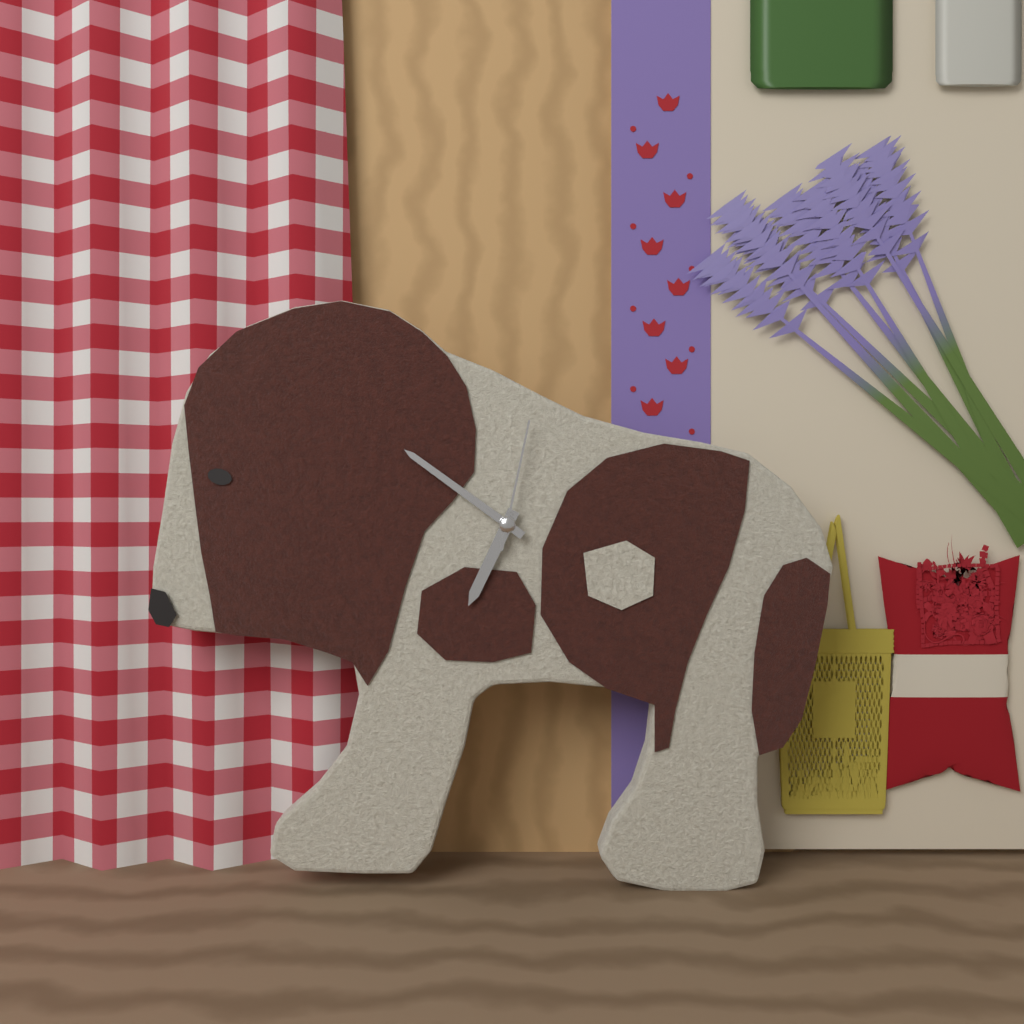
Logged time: 6.51.02
